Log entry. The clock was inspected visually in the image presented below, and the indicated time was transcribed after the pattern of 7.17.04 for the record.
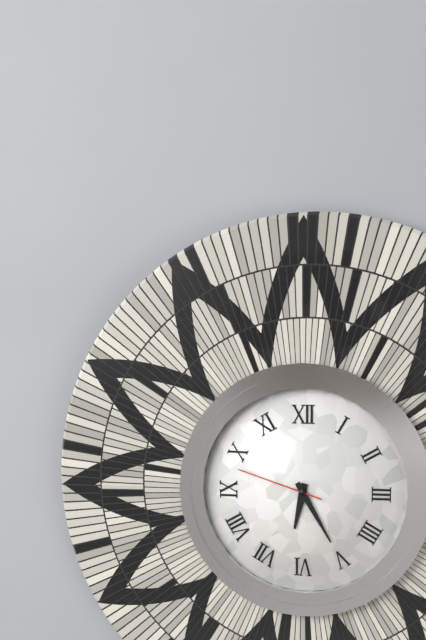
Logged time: 6.25.48
